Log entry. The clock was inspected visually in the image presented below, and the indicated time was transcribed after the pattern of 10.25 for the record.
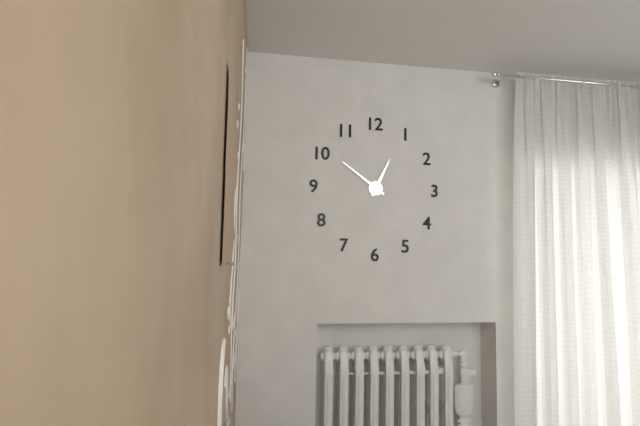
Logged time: 12.51
